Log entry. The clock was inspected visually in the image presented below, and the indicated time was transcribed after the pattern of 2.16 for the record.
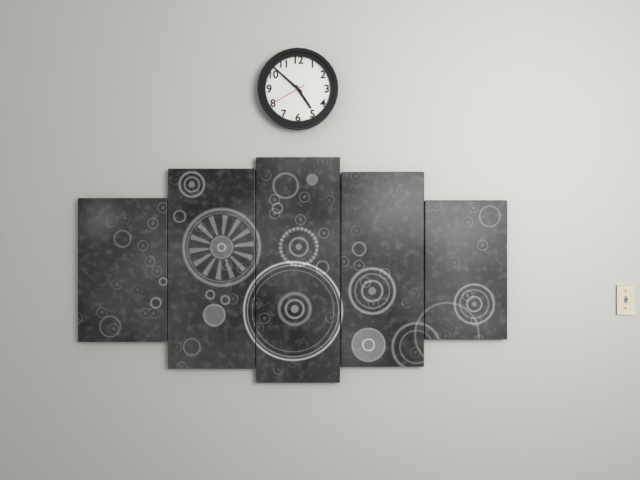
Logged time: 4.52
